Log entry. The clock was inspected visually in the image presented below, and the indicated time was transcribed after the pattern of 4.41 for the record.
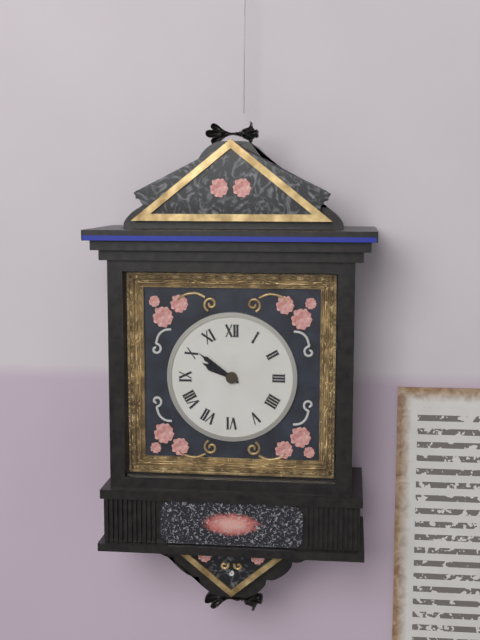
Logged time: 9.51
